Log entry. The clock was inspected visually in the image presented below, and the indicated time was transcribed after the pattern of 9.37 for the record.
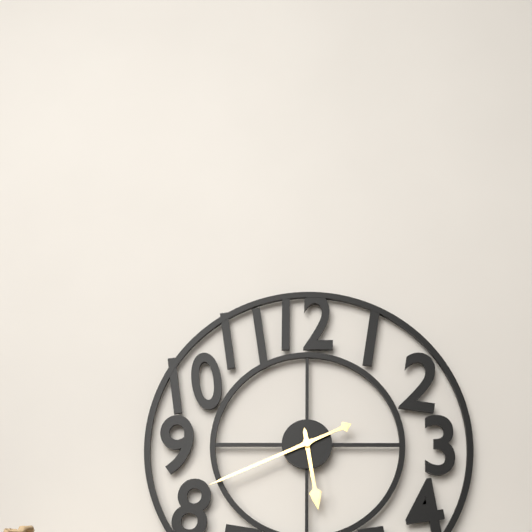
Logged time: 5.41
